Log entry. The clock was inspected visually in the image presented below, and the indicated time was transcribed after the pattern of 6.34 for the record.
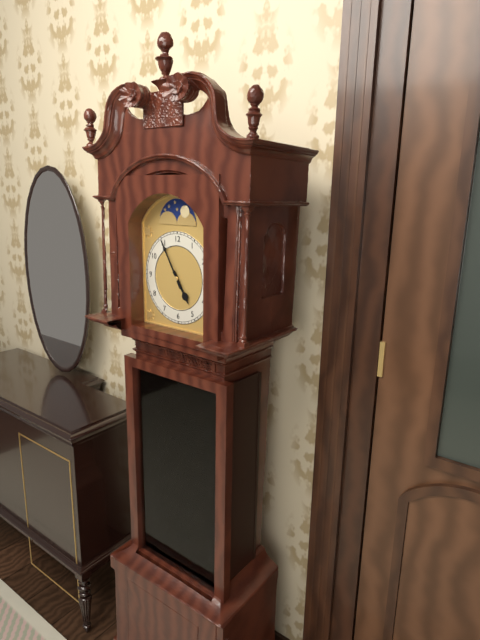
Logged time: 4.55
